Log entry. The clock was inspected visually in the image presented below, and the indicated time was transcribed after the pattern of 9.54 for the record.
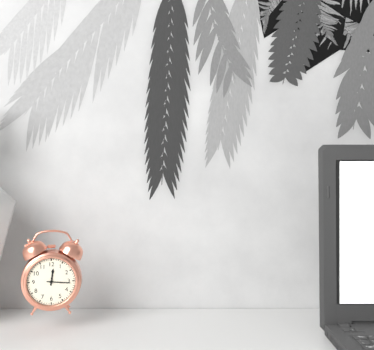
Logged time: 12.16
